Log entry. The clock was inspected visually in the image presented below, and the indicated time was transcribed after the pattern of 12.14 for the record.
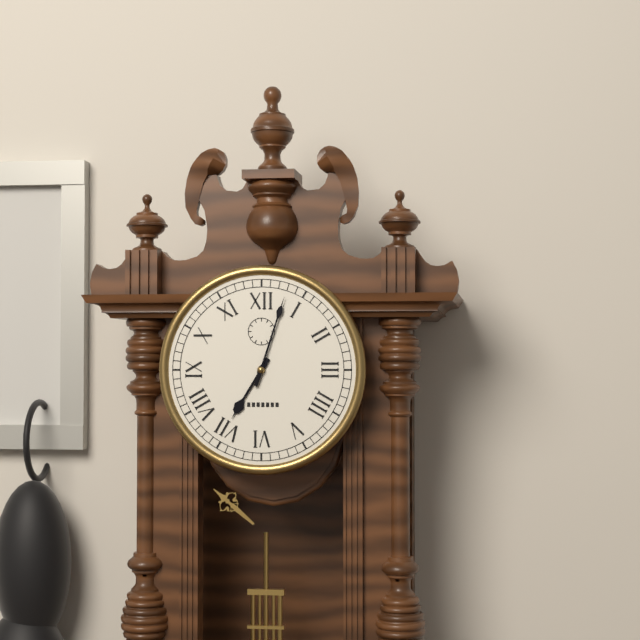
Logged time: 7.03
